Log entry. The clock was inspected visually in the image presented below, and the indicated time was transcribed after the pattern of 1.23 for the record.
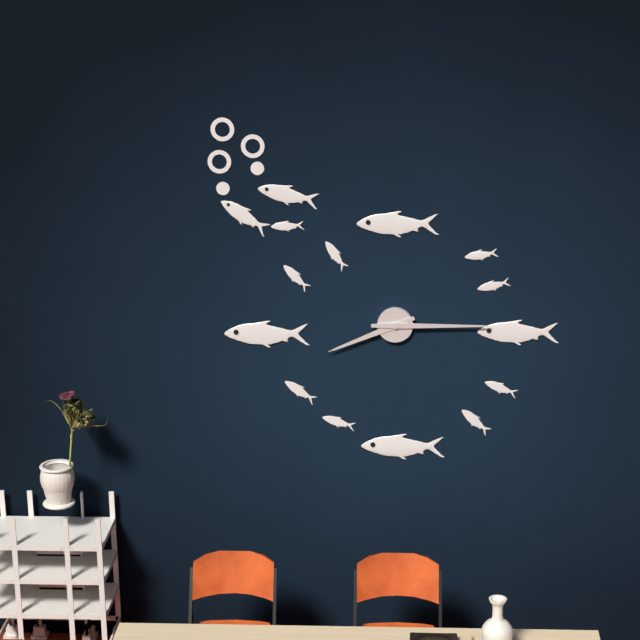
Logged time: 8.15
